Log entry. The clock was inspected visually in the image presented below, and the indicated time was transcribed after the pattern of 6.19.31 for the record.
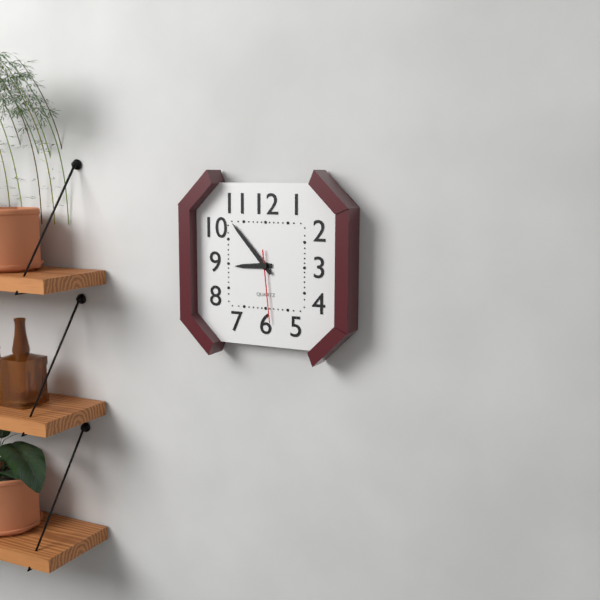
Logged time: 8.53.29
